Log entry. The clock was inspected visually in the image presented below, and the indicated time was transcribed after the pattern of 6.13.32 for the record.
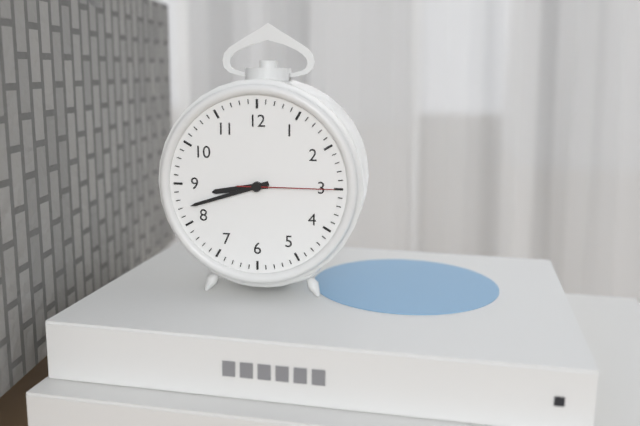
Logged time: 8.42.15
